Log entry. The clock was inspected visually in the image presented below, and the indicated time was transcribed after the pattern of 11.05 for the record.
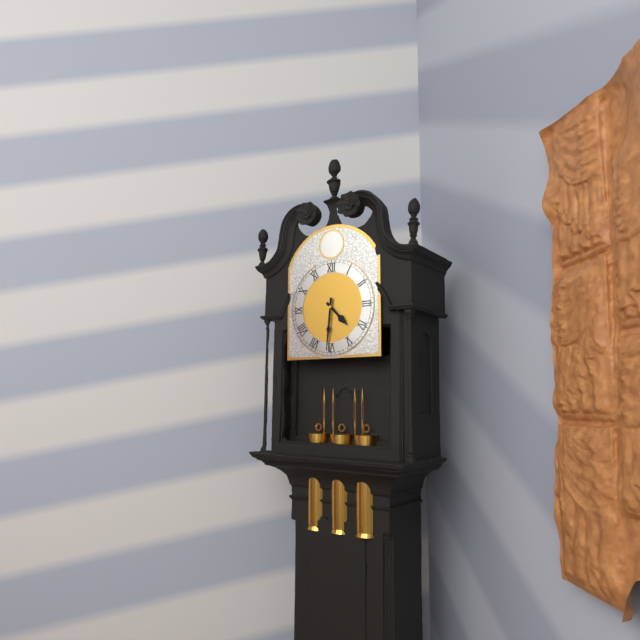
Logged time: 4.31
